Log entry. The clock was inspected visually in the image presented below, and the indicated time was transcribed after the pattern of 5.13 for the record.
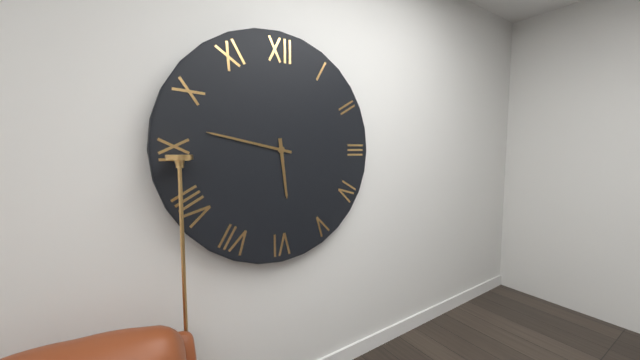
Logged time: 5.47
